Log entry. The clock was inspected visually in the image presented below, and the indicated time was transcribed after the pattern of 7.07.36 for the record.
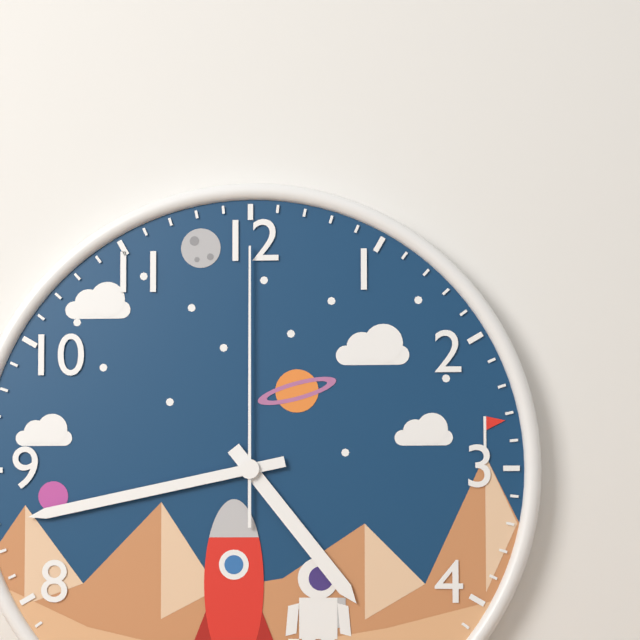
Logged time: 4.43.00
